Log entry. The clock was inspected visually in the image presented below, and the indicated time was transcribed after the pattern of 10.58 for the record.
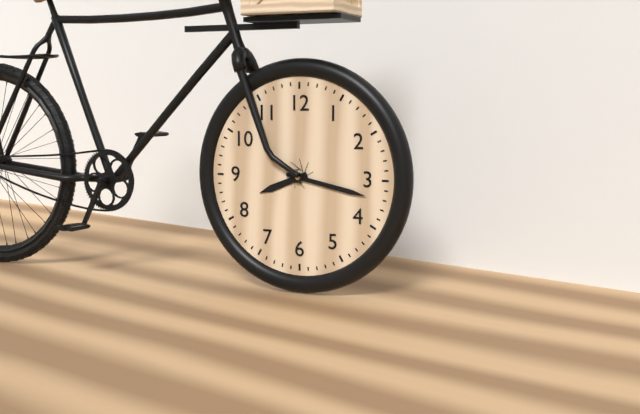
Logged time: 8.17
